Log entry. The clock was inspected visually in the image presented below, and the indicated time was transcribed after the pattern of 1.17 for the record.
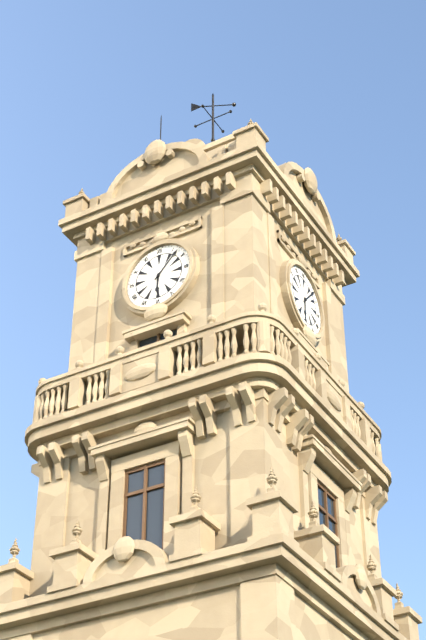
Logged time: 6.07
